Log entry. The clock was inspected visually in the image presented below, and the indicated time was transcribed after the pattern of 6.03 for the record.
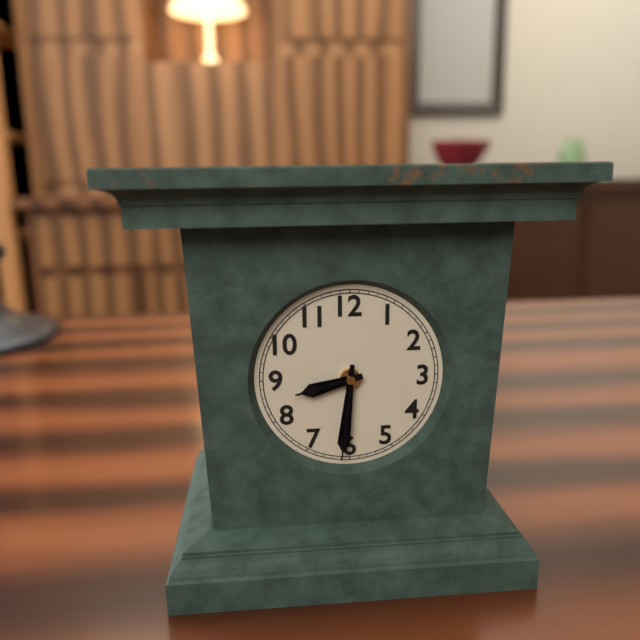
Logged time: 8.31
